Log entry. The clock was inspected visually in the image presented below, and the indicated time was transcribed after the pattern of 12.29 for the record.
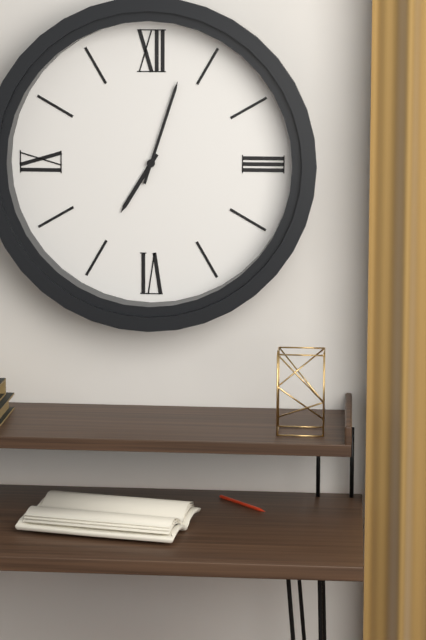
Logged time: 7.03
